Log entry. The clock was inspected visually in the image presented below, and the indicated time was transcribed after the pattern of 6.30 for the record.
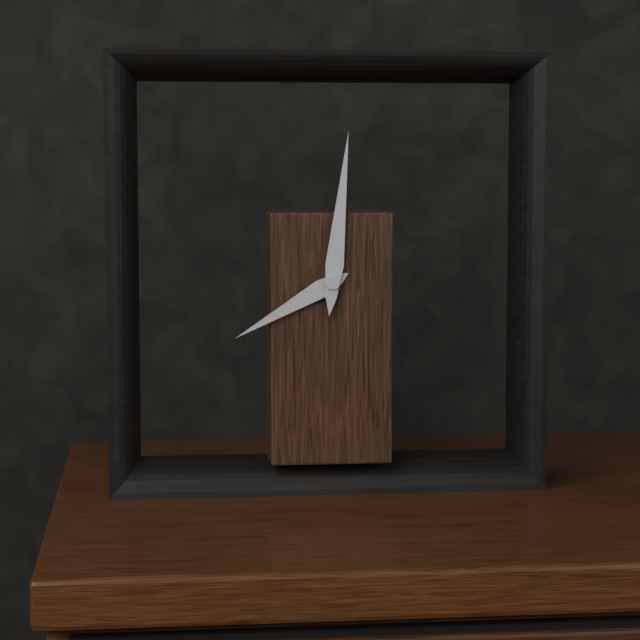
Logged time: 8.01
